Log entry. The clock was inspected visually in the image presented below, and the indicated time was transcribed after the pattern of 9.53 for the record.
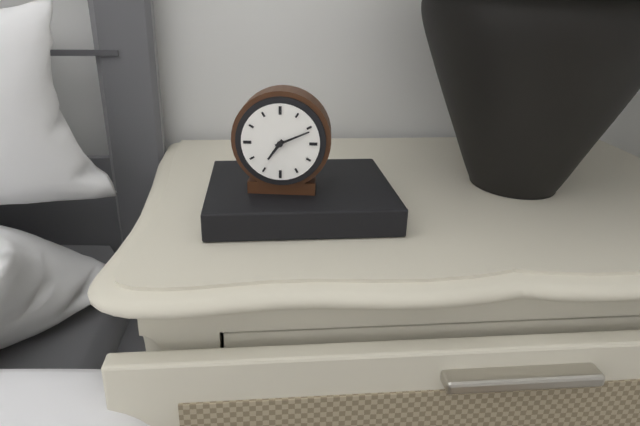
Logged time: 7.11
